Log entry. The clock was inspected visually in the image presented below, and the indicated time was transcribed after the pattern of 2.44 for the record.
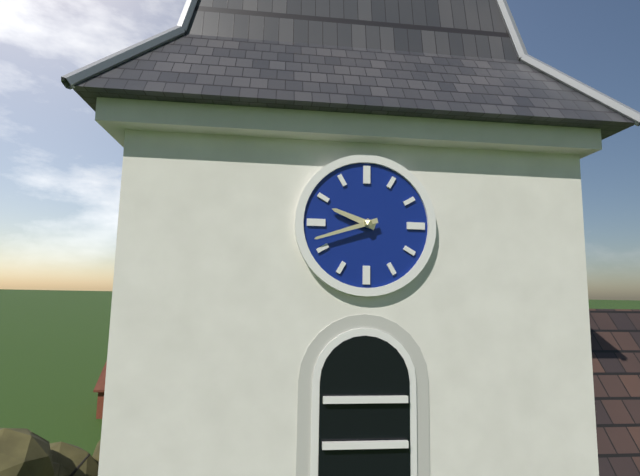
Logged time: 9.42
